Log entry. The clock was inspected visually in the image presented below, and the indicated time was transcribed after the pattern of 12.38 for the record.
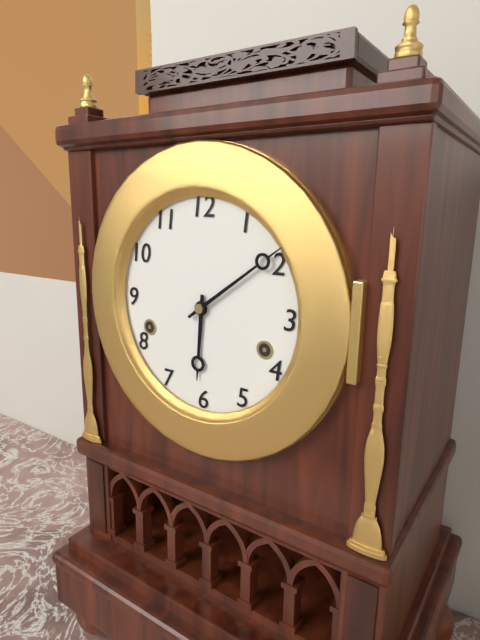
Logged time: 6.09
